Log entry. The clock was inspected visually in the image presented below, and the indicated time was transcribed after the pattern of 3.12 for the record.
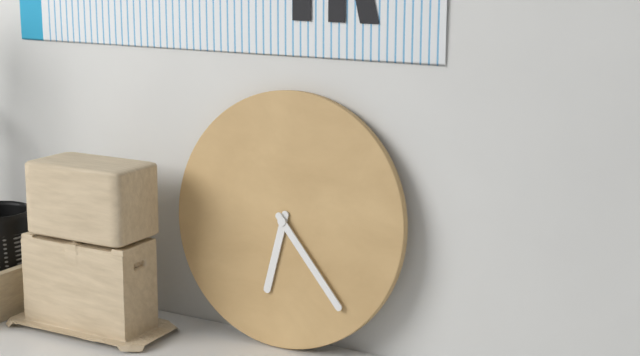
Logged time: 6.23
